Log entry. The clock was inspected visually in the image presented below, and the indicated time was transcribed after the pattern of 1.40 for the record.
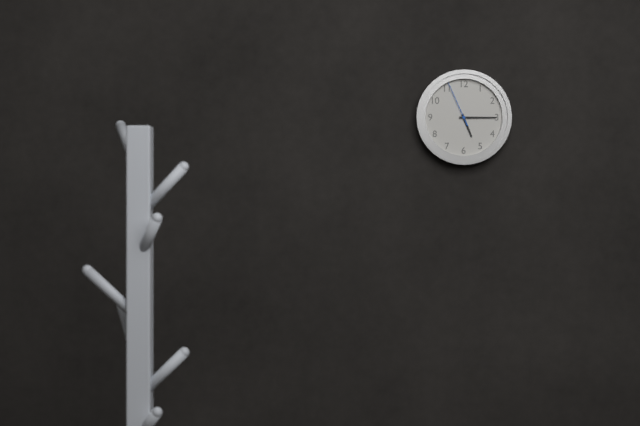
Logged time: 5.15
